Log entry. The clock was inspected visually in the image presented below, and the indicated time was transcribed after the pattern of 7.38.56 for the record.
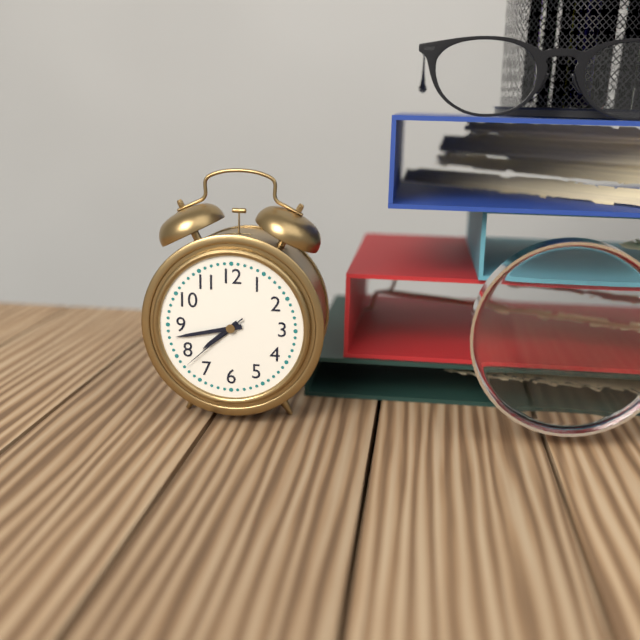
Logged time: 7.43.38
